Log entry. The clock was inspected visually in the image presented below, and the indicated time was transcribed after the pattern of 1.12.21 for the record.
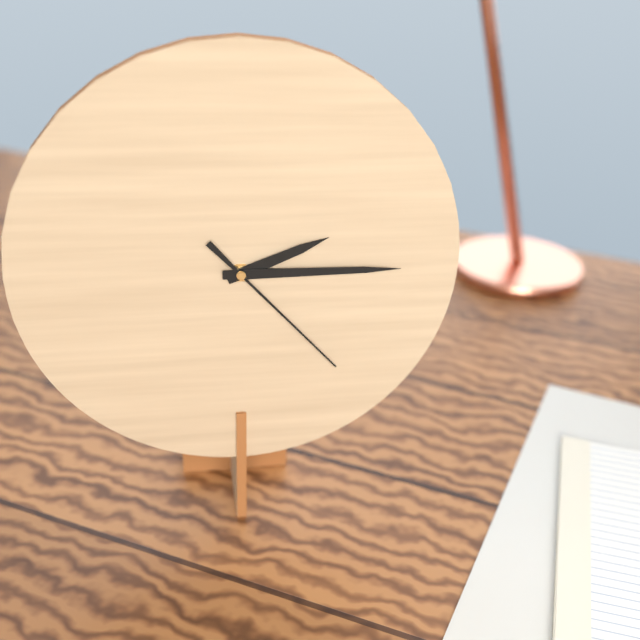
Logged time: 2.15.23
